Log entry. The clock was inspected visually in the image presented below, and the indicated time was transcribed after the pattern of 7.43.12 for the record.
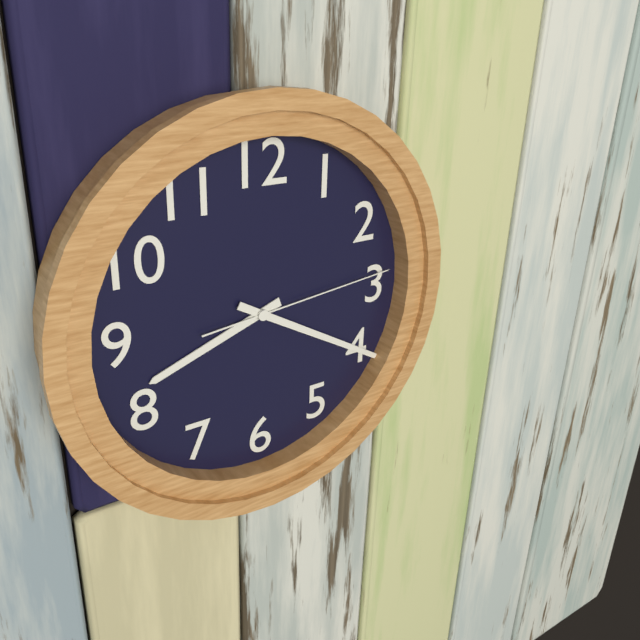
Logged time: 8.20.14
